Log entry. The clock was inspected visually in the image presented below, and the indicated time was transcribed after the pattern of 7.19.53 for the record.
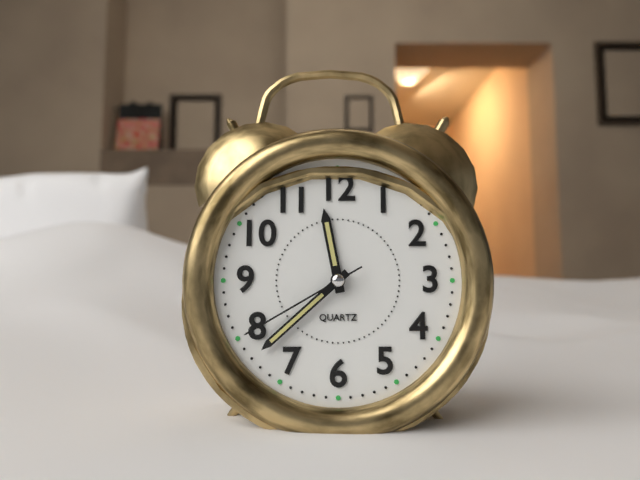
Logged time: 11.38.40
